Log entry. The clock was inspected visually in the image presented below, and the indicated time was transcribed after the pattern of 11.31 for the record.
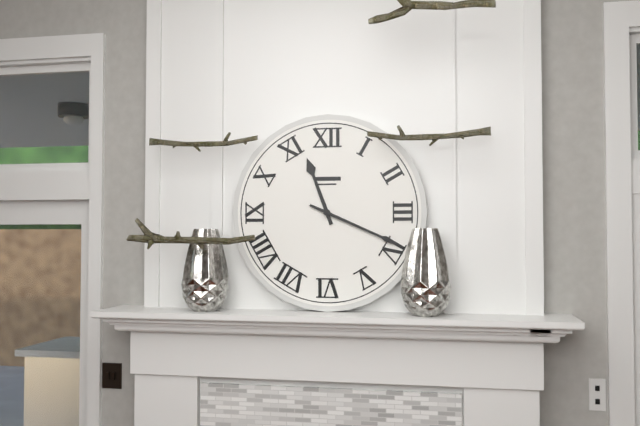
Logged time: 11.19
